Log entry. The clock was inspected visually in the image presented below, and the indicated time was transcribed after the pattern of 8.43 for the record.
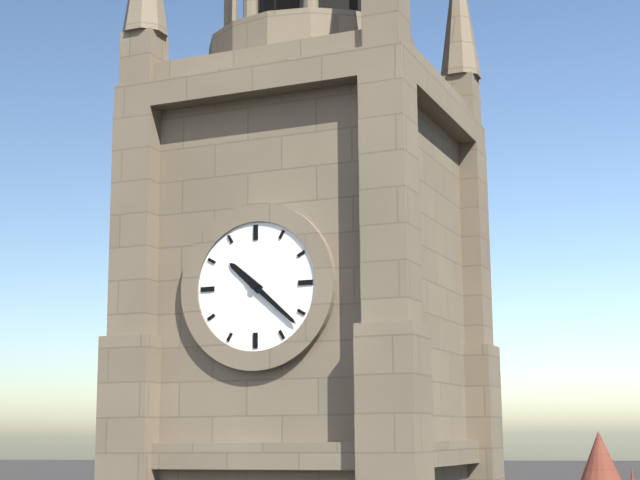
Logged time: 10.22
